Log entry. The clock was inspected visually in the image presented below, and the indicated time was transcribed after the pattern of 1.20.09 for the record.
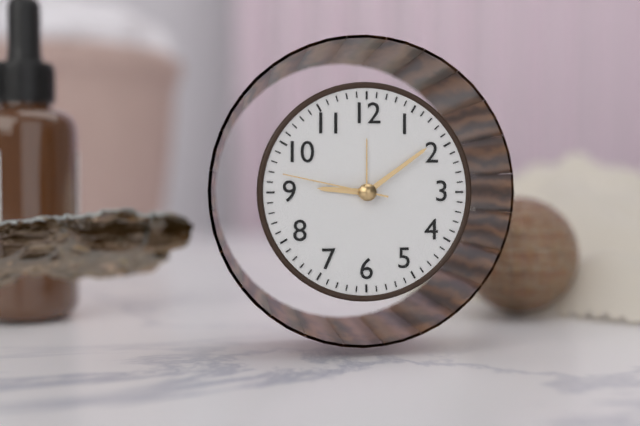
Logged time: 9.09.47
